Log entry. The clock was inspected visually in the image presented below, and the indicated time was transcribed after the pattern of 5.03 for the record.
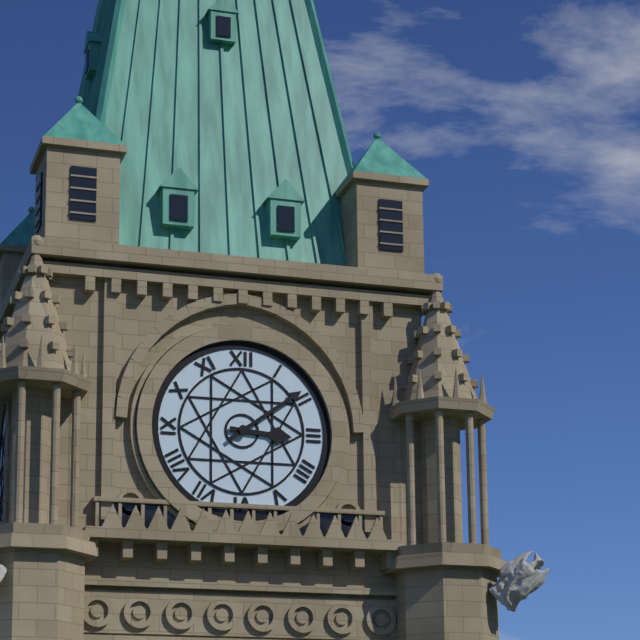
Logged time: 3.09
